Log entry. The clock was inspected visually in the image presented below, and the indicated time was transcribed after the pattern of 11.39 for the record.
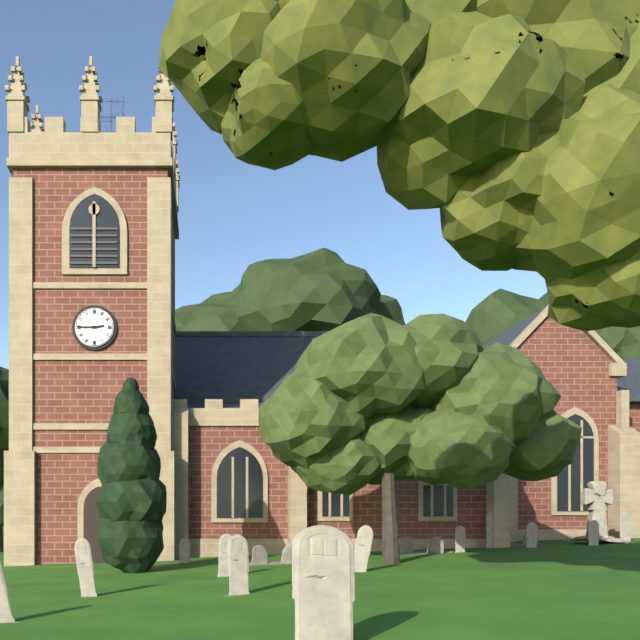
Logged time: 2.45
